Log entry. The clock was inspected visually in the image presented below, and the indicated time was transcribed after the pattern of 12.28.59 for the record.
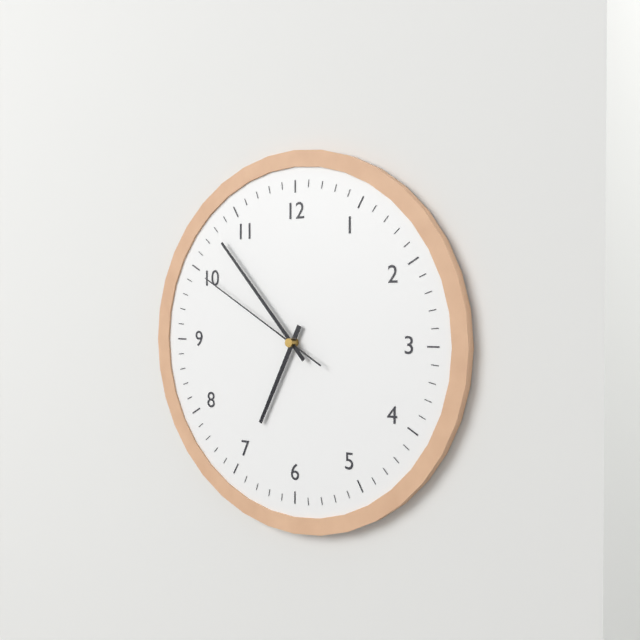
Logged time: 6.53.50
